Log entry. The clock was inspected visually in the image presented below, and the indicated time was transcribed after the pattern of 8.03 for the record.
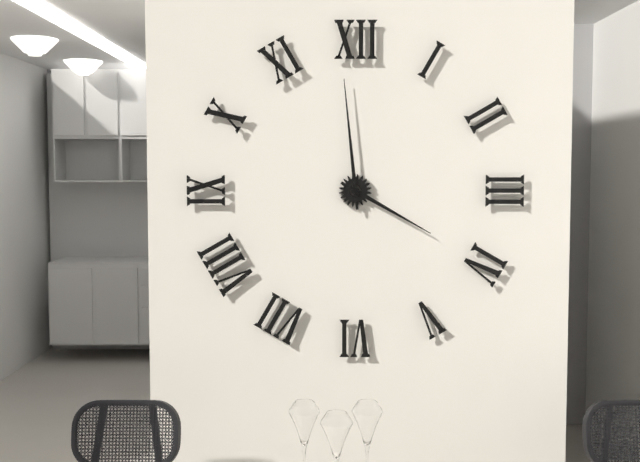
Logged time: 3.59
